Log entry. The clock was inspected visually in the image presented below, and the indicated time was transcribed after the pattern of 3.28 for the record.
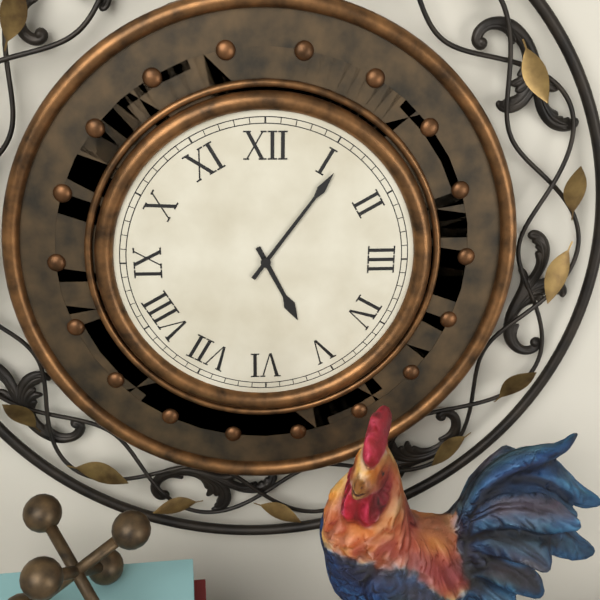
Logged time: 5.06
